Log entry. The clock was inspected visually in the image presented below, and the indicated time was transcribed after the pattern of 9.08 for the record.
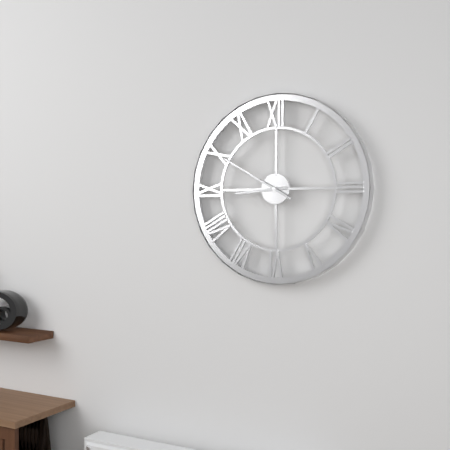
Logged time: 8.50
